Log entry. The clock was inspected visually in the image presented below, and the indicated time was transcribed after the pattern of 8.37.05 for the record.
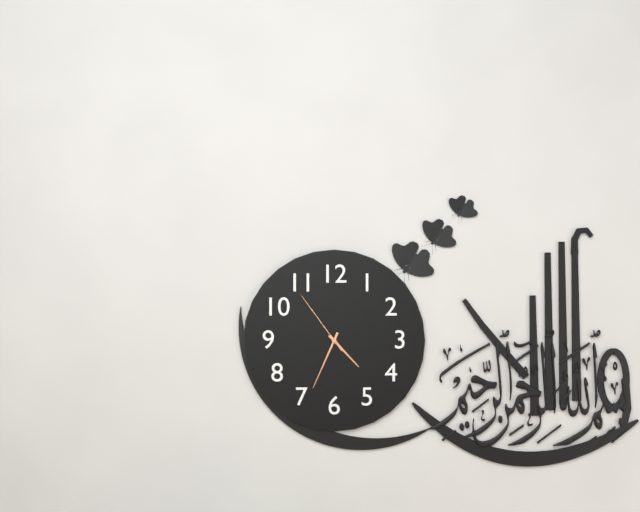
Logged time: 4.34.54
